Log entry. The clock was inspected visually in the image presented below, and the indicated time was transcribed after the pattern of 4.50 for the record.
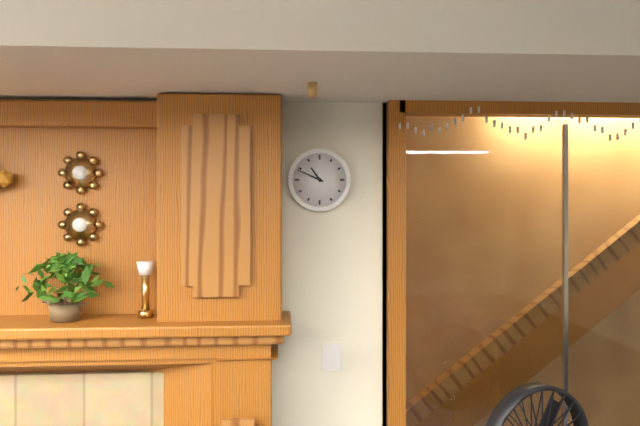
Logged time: 10.49
